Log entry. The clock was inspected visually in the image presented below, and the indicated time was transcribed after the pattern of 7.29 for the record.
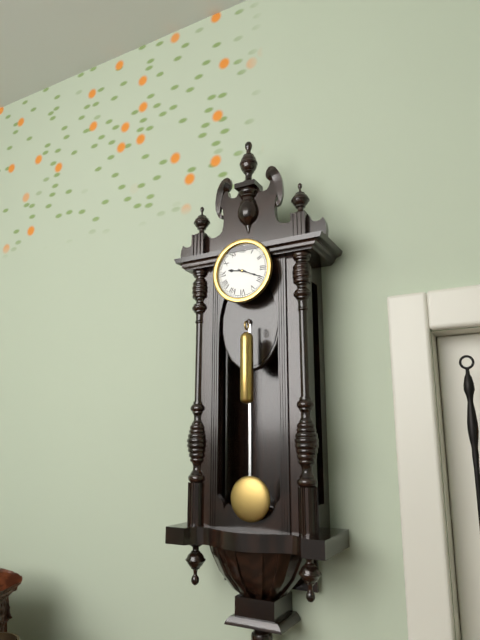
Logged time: 9.19
